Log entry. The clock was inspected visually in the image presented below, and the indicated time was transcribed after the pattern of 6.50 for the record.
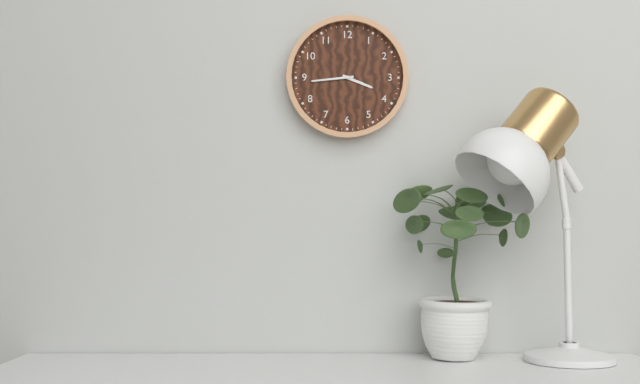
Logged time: 3.44
